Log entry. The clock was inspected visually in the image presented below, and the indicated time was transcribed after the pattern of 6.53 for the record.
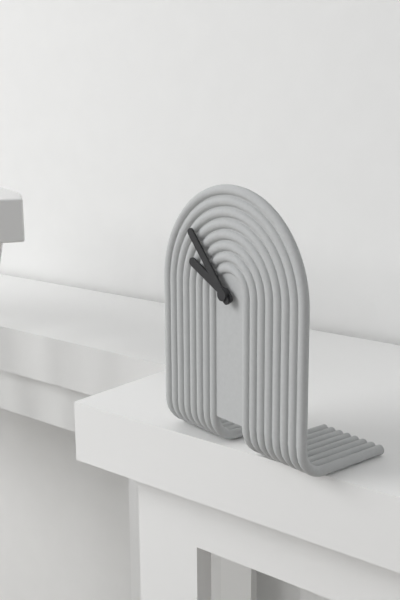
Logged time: 9.53
